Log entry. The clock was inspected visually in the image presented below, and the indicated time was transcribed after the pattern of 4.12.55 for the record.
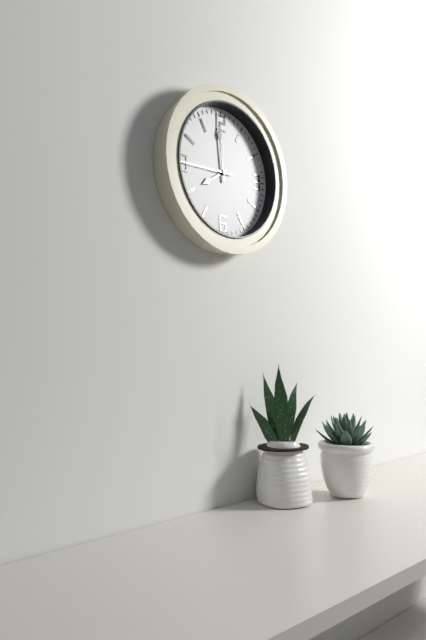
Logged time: 7.59.45
